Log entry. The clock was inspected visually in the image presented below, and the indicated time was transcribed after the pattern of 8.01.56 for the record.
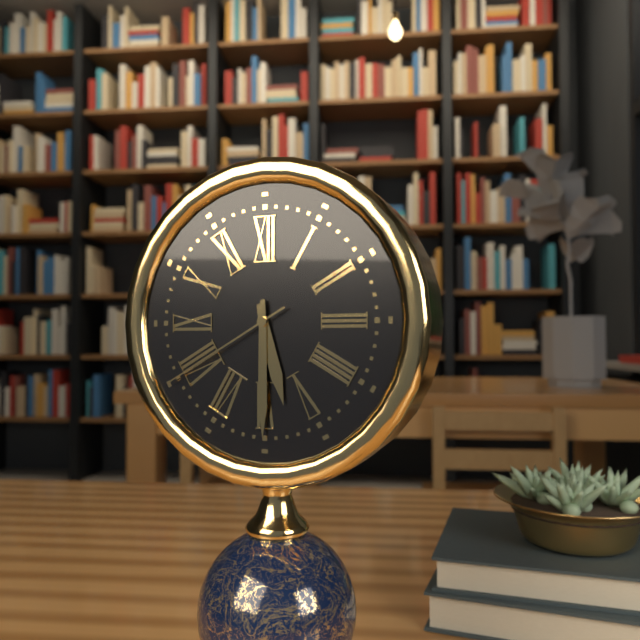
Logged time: 5.30.40
